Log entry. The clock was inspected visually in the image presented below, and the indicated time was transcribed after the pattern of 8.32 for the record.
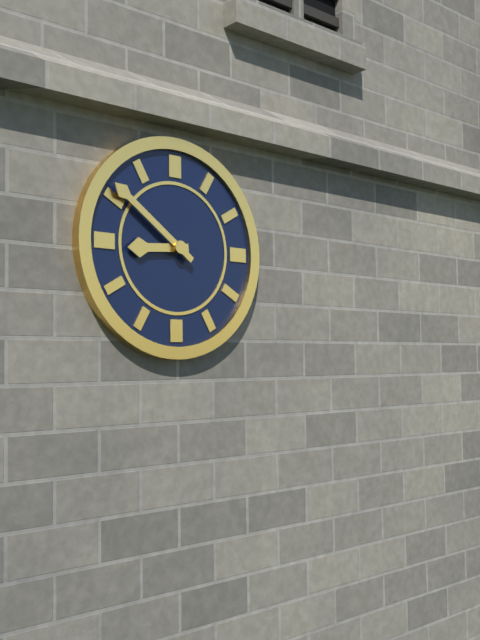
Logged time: 8.51
